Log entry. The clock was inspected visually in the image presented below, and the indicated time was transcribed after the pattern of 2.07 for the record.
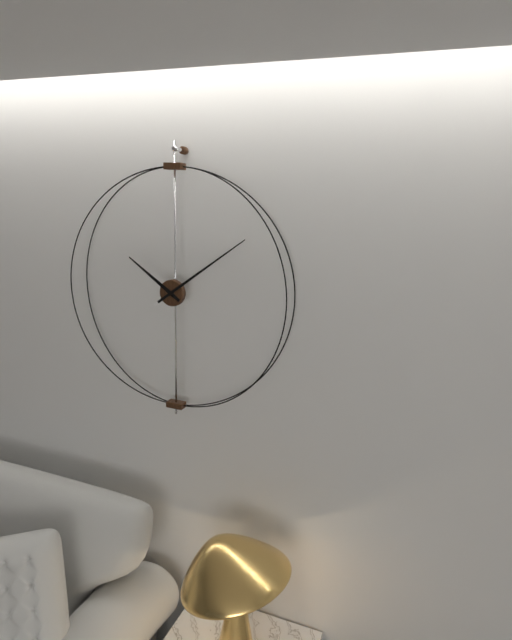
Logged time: 10.09
